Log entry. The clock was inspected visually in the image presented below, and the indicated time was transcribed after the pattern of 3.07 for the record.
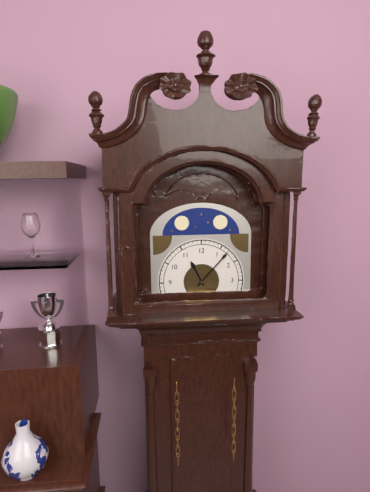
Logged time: 11.07
